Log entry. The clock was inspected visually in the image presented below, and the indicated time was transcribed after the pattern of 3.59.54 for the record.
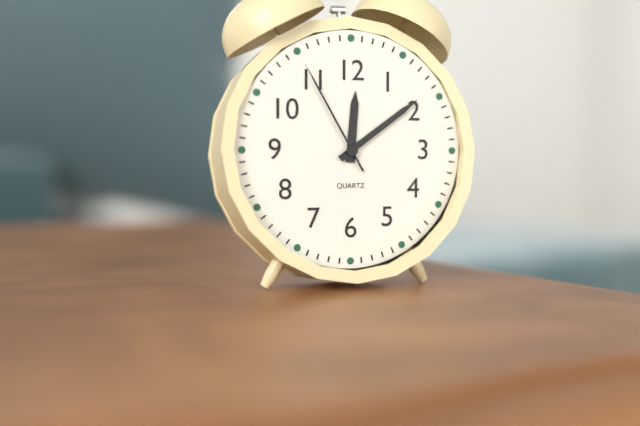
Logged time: 12.09.55
